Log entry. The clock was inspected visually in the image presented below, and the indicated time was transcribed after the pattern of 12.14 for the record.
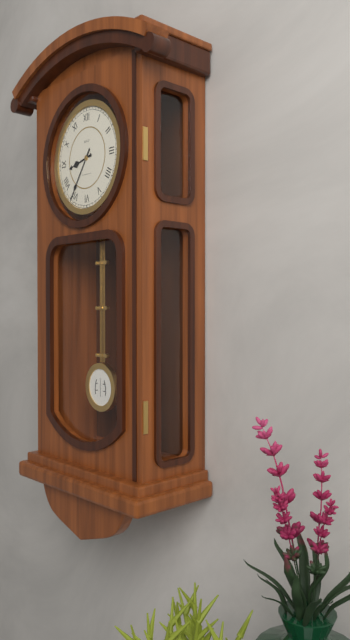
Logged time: 8.36
